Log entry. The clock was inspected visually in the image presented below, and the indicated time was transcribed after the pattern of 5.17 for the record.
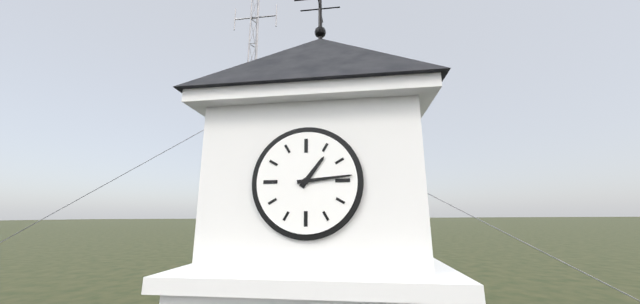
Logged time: 1.14
